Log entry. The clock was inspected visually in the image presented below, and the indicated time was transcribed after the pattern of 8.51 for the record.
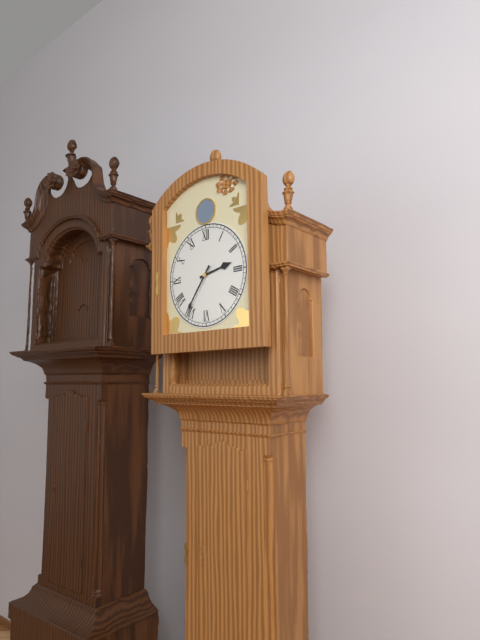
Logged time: 2.36
